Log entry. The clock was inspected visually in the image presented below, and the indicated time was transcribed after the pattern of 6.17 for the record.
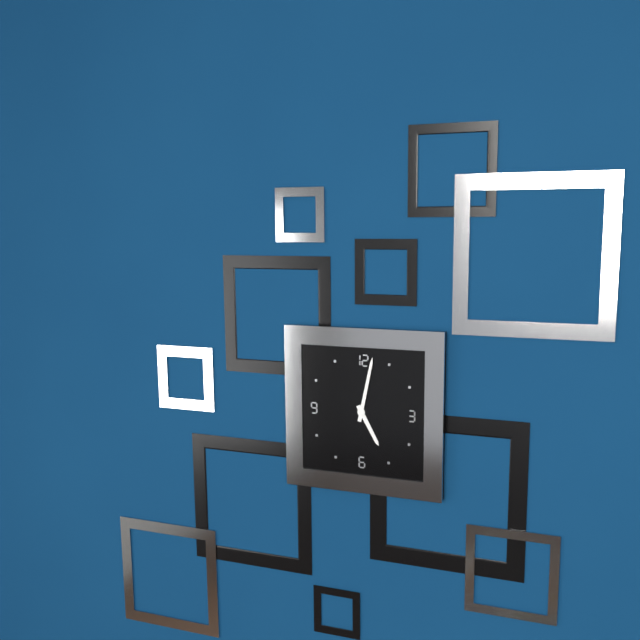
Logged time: 5.02
